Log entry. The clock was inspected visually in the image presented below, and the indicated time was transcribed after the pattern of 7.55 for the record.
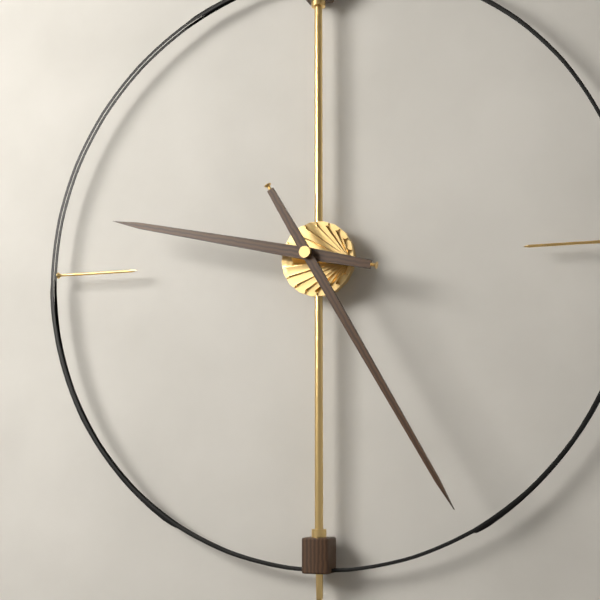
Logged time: 9.25
